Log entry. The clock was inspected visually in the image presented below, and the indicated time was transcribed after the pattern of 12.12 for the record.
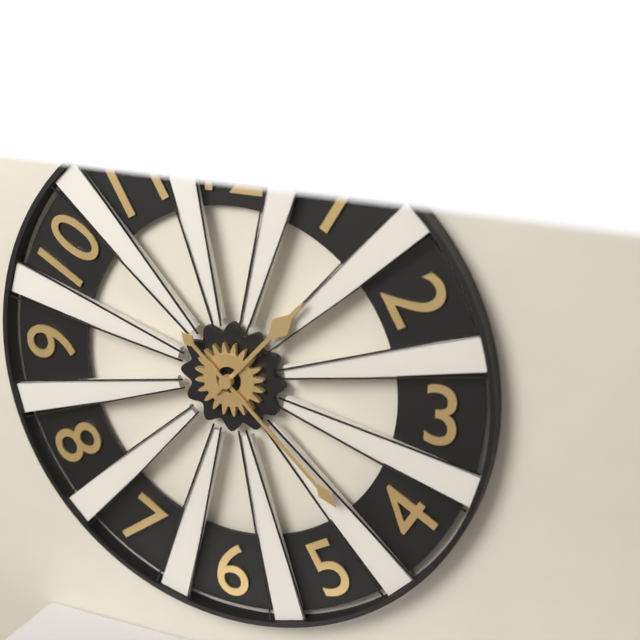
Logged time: 1.22
